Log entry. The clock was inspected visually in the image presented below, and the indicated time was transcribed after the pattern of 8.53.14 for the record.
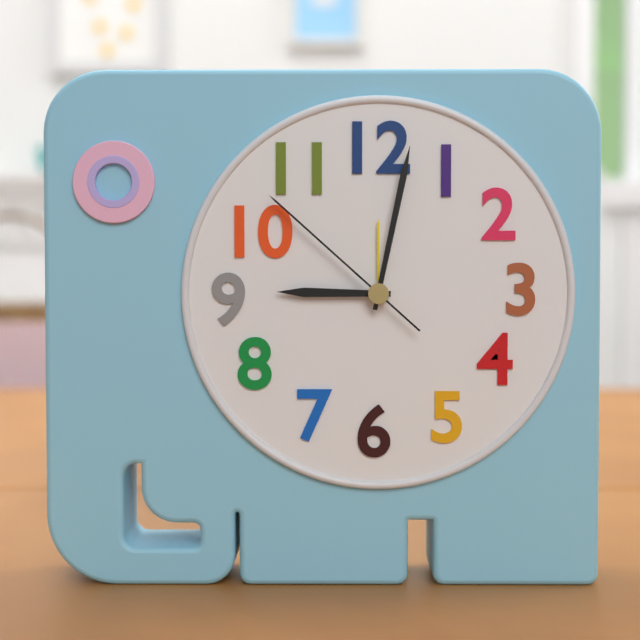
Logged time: 9.02.52
